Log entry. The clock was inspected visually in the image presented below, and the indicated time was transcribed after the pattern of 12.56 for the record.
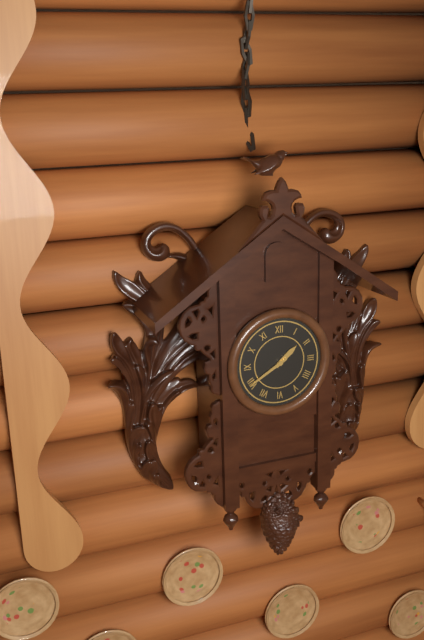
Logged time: 1.40
